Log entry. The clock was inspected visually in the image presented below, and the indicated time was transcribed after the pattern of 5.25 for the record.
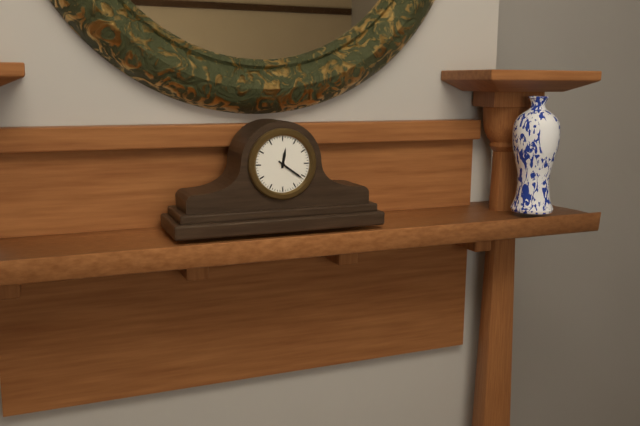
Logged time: 12.21
